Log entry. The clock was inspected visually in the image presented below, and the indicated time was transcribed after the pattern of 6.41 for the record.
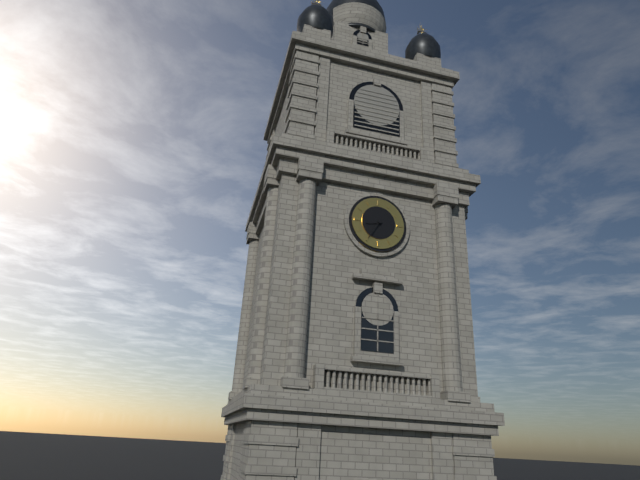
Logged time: 8.35
